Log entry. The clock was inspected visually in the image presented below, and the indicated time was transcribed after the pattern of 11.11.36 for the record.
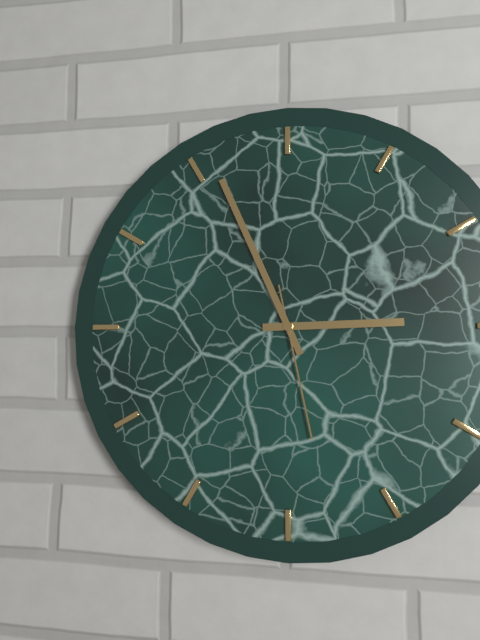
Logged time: 2.56.28
